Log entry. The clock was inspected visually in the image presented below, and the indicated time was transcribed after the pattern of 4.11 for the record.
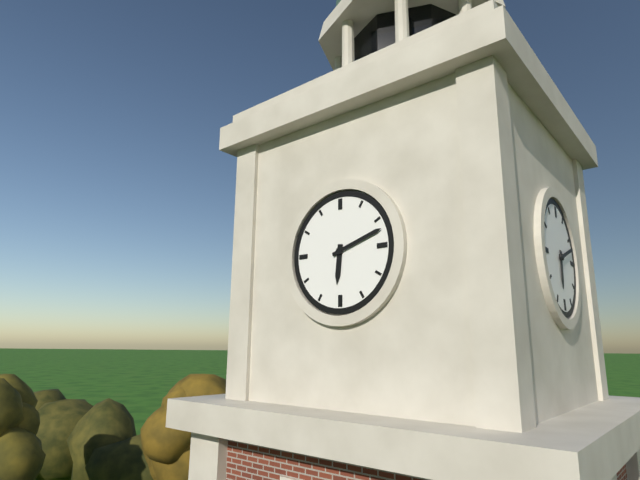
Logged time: 6.12
